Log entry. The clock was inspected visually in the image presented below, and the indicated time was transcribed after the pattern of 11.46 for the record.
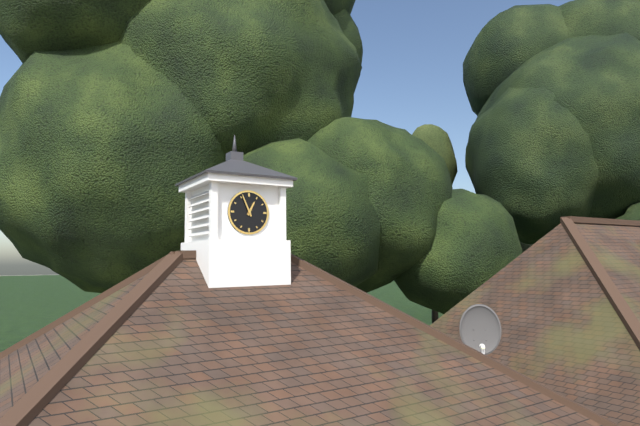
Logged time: 12.56
